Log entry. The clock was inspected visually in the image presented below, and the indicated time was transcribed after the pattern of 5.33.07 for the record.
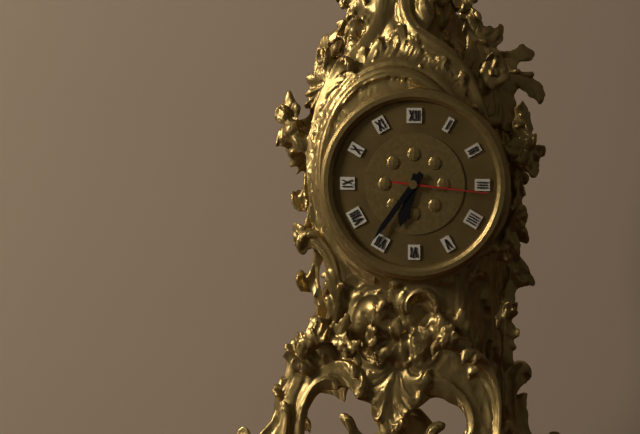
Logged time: 6.36.16
